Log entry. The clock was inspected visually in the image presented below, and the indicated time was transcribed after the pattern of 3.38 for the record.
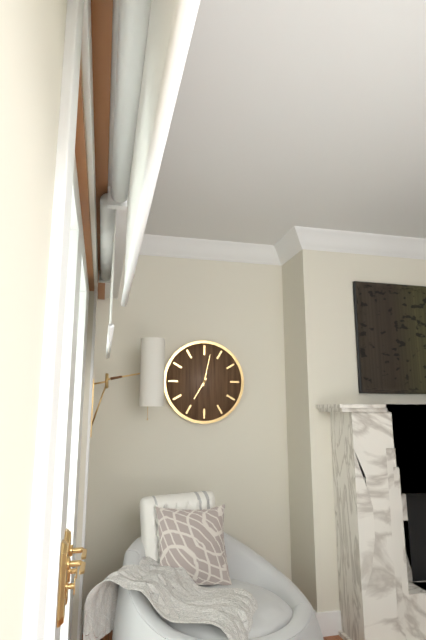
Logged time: 7.02
